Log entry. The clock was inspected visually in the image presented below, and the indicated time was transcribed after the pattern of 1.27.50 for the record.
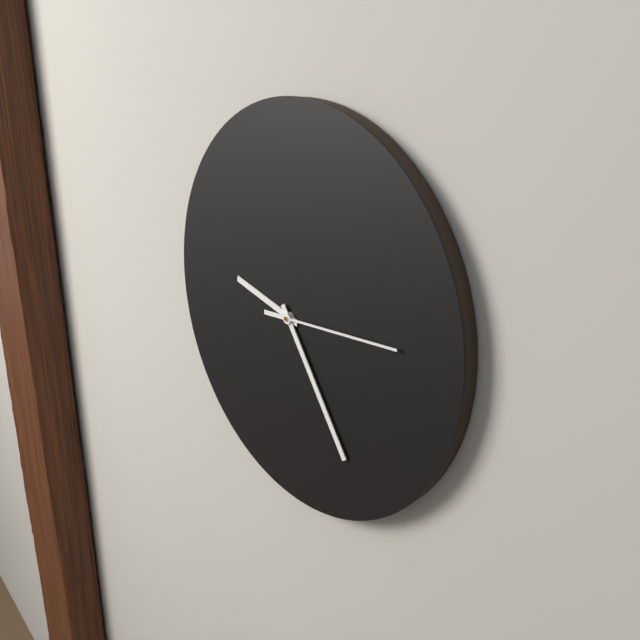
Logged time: 9.24.14
